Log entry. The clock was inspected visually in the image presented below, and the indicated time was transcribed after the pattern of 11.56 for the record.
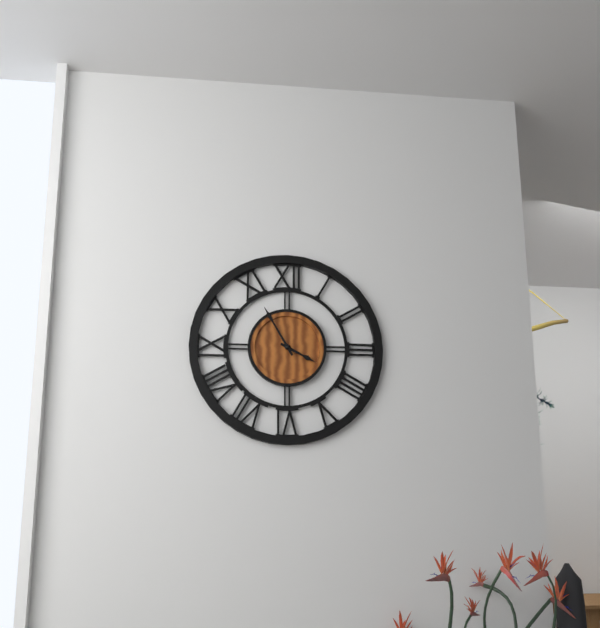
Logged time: 3.55
